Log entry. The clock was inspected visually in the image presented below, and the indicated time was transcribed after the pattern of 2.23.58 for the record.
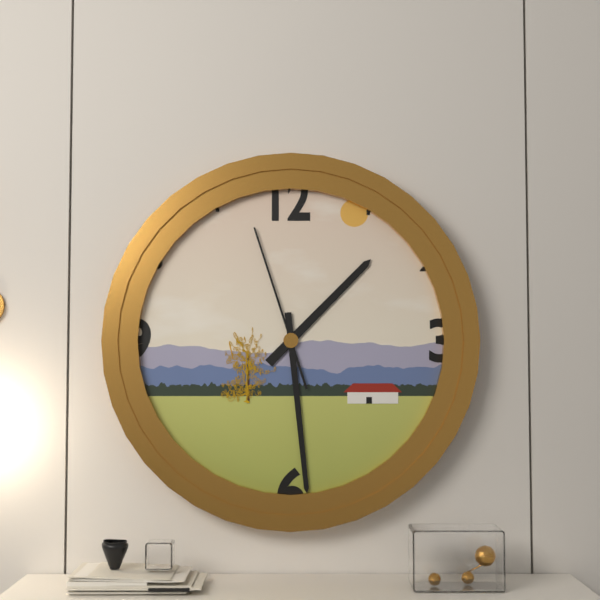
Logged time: 1.29.57
